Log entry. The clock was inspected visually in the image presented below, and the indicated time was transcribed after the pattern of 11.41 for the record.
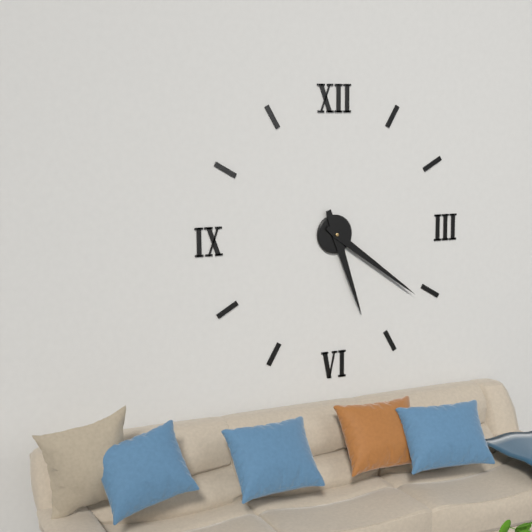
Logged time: 5.21
